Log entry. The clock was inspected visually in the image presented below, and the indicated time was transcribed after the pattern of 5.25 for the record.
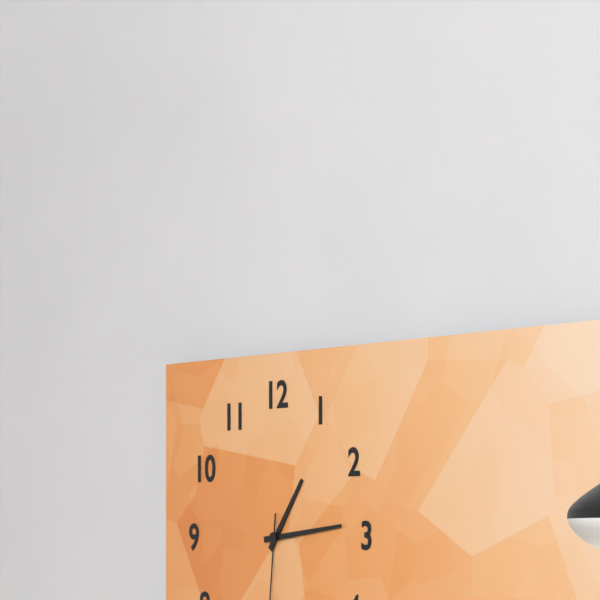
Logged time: 1.14
